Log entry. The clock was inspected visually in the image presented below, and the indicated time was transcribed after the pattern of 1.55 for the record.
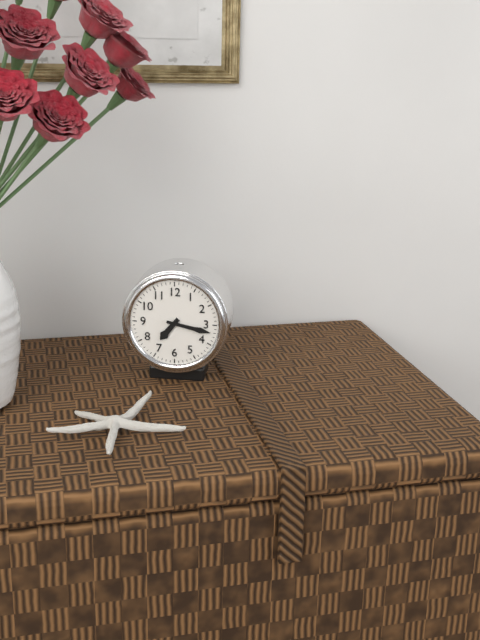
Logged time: 7.17
